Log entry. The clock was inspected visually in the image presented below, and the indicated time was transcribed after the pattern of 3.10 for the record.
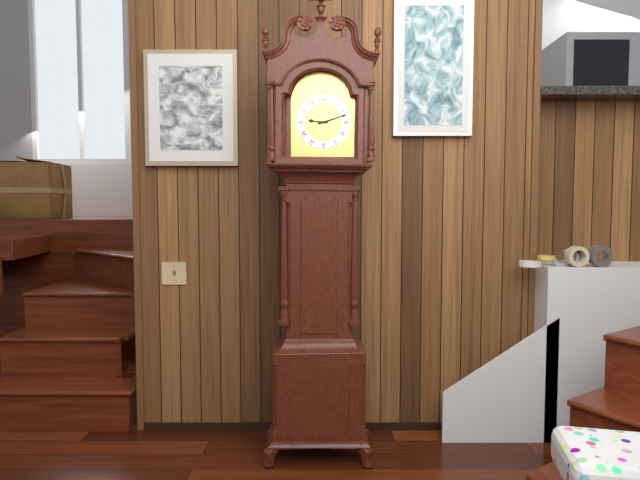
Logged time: 9.12
